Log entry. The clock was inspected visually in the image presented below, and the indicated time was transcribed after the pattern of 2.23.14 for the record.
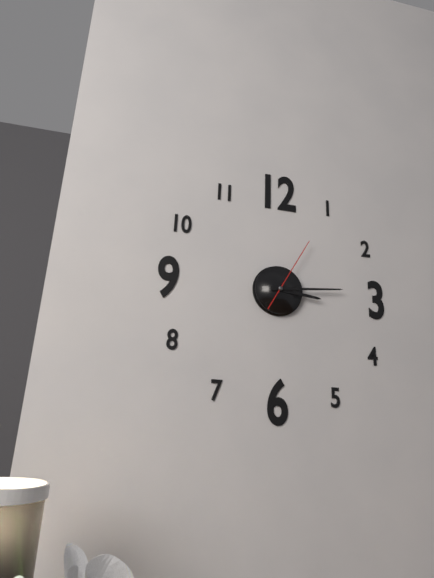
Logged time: 3.14.05
